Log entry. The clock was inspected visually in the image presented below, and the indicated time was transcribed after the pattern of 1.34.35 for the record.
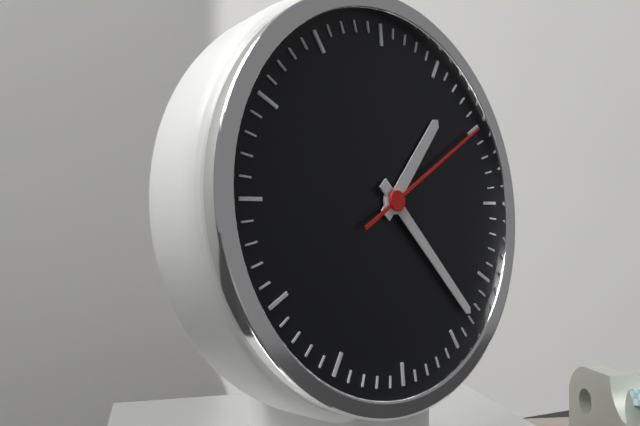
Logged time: 1.23.10
